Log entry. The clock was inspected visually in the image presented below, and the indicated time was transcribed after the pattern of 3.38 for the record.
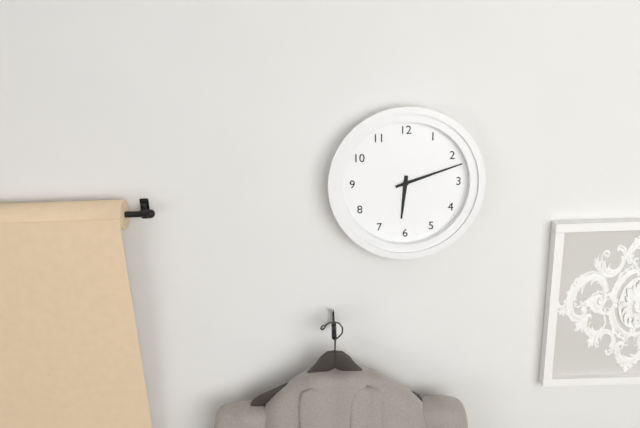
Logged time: 6.12
